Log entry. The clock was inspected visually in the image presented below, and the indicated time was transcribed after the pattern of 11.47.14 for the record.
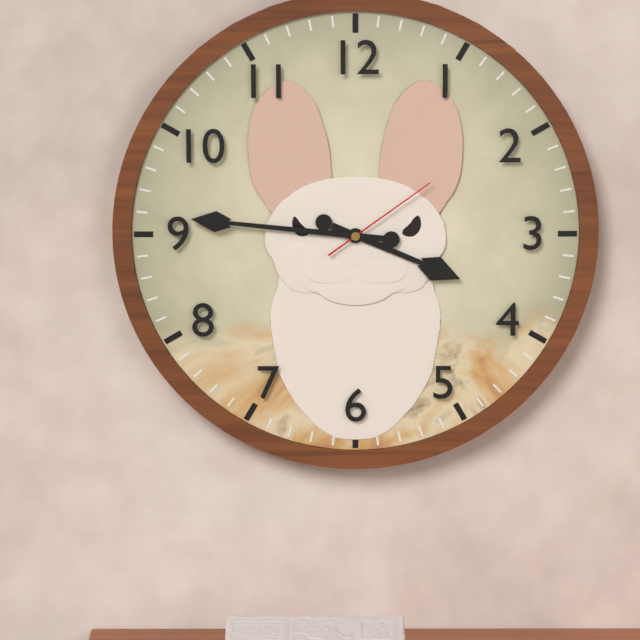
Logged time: 3.46.09
